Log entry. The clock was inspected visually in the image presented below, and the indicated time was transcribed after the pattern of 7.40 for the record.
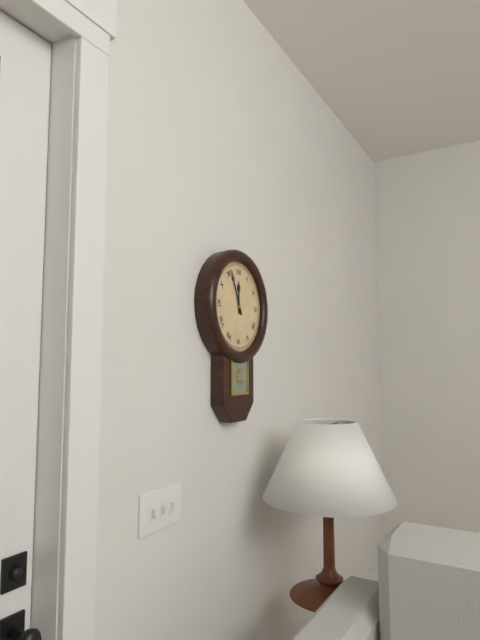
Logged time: 11.56
